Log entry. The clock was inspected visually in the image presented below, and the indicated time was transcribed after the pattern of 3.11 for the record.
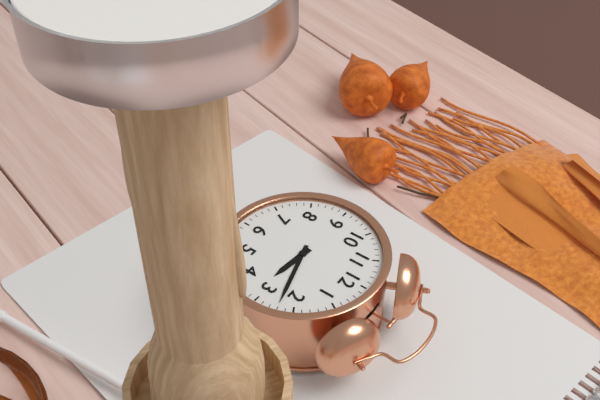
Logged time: 3.12
